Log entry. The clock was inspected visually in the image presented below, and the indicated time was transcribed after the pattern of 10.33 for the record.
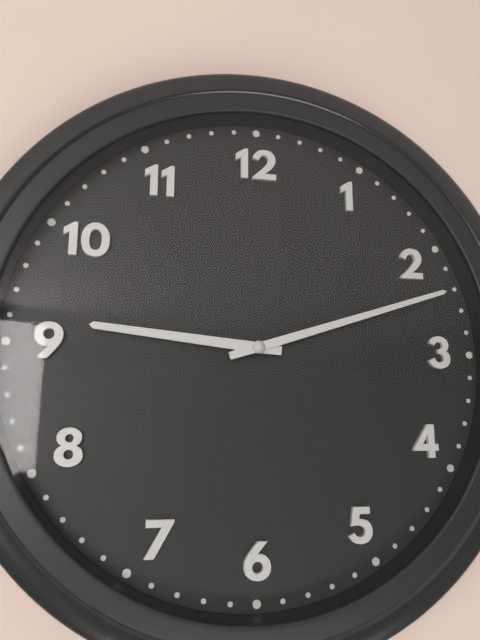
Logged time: 9.12
